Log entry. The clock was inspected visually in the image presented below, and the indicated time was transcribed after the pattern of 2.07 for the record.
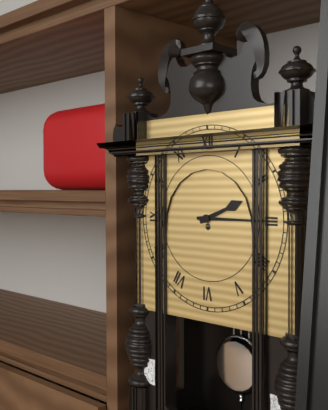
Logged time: 2.15
